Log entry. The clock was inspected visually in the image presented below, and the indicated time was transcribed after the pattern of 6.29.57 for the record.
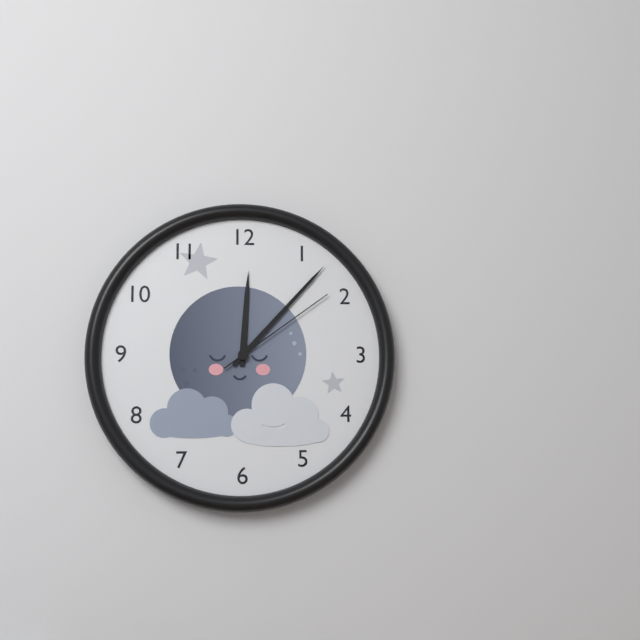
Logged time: 12.07.09
